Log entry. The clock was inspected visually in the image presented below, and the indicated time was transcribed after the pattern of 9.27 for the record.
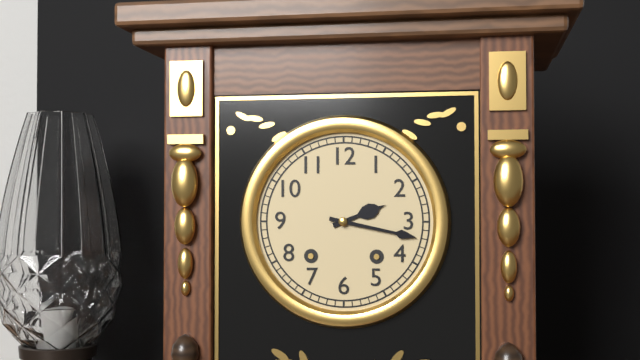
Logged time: 2.17
